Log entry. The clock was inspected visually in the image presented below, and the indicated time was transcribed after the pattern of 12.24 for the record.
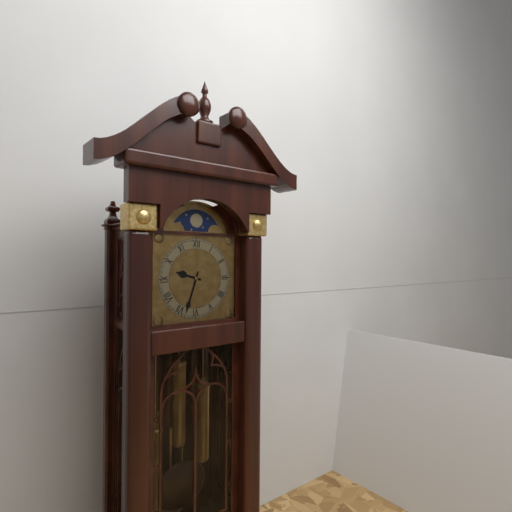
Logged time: 9.33
